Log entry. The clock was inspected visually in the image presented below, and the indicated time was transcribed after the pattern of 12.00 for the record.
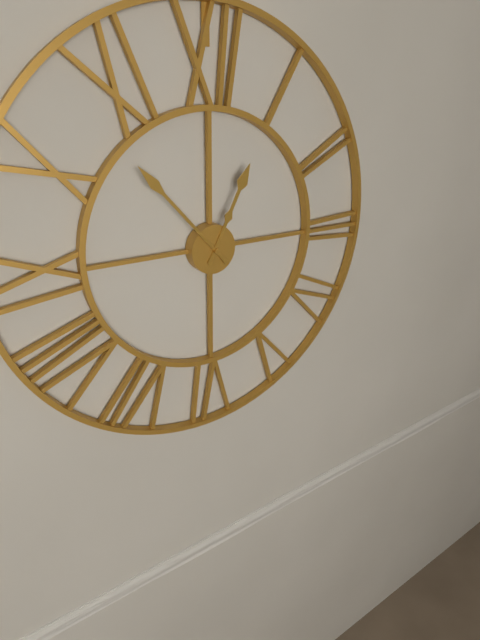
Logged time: 12.53
